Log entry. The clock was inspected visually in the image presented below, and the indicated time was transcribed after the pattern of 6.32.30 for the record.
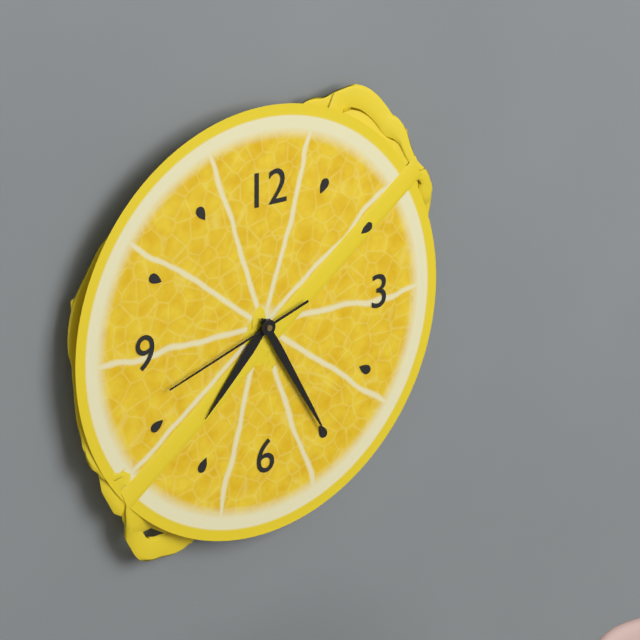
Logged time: 7.25.42
